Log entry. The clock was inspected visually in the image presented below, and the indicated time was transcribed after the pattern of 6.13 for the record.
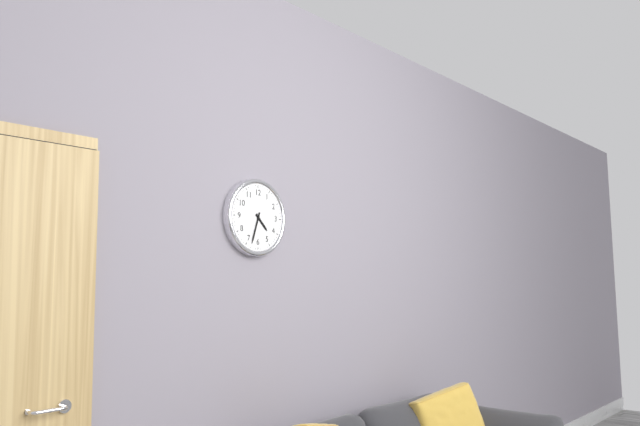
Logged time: 4.33
